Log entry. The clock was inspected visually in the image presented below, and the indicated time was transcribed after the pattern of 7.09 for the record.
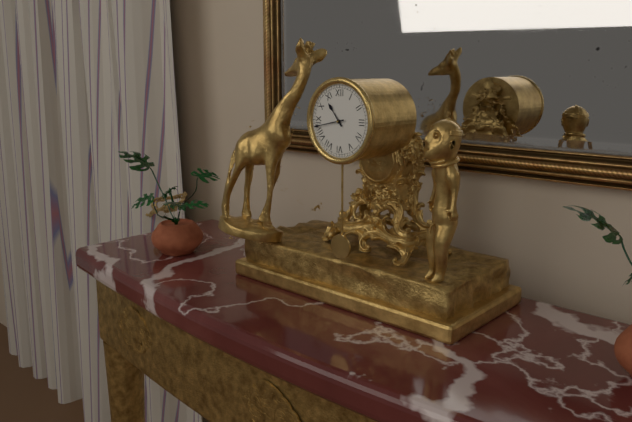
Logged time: 10.43
